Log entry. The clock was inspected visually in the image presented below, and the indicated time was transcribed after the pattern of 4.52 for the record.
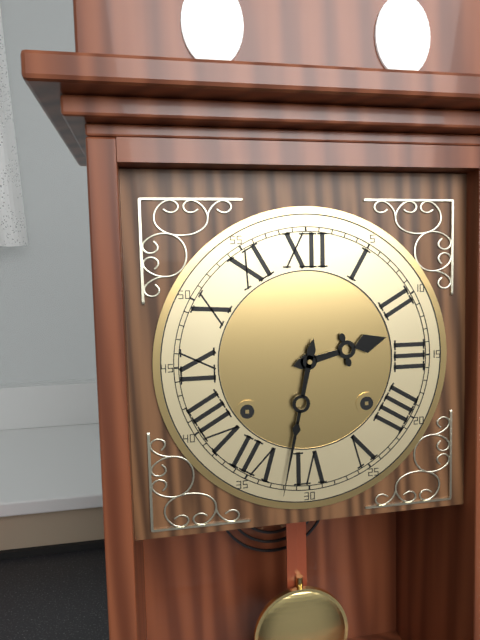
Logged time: 2.32
